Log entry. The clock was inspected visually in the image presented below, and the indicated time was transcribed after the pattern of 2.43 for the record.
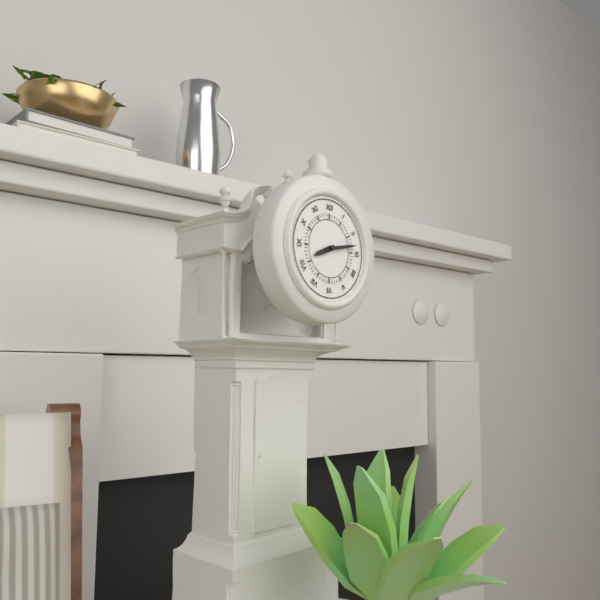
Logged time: 8.13
